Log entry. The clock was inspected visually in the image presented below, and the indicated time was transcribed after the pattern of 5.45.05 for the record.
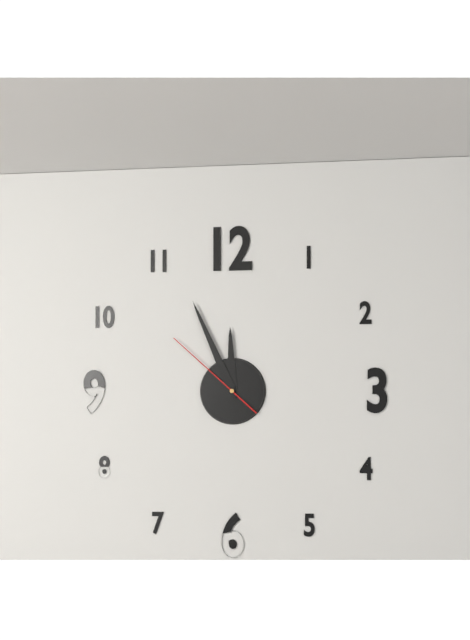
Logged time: 11.56.52
